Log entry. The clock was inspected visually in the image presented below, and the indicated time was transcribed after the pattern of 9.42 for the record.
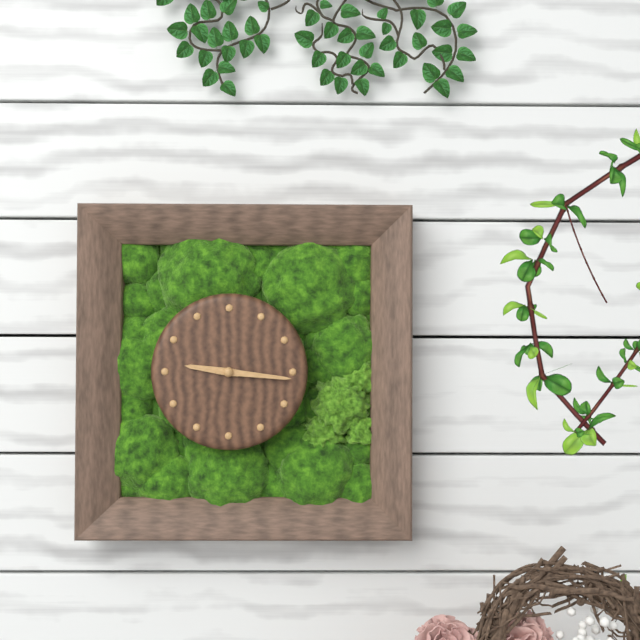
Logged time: 9.16
